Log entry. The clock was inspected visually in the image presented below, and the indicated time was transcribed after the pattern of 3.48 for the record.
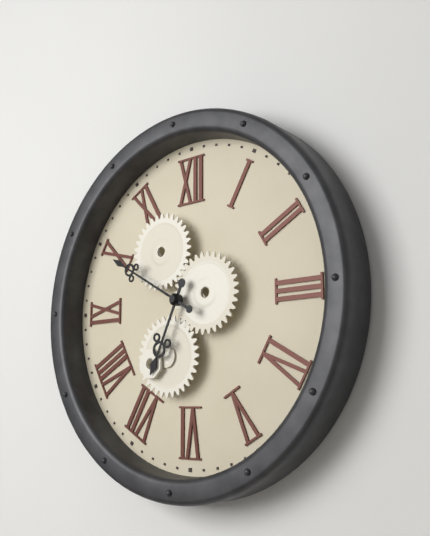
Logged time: 6.50
